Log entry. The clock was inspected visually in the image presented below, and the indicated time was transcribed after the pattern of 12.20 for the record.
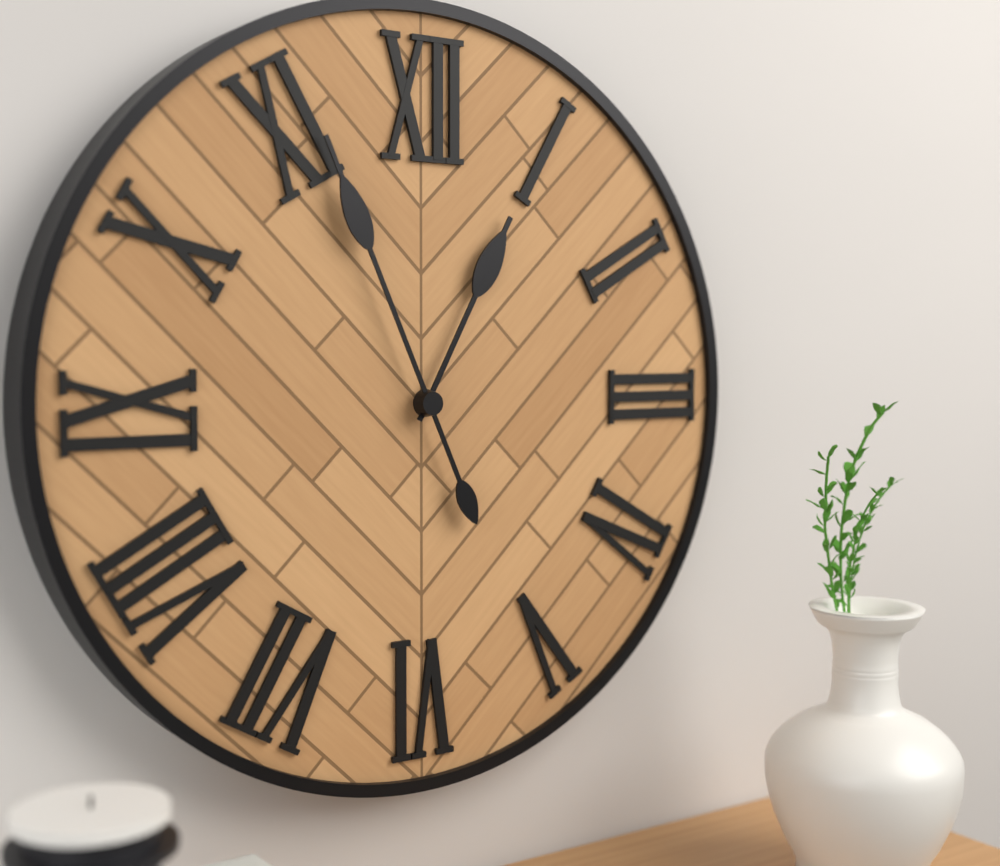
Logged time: 12.56
